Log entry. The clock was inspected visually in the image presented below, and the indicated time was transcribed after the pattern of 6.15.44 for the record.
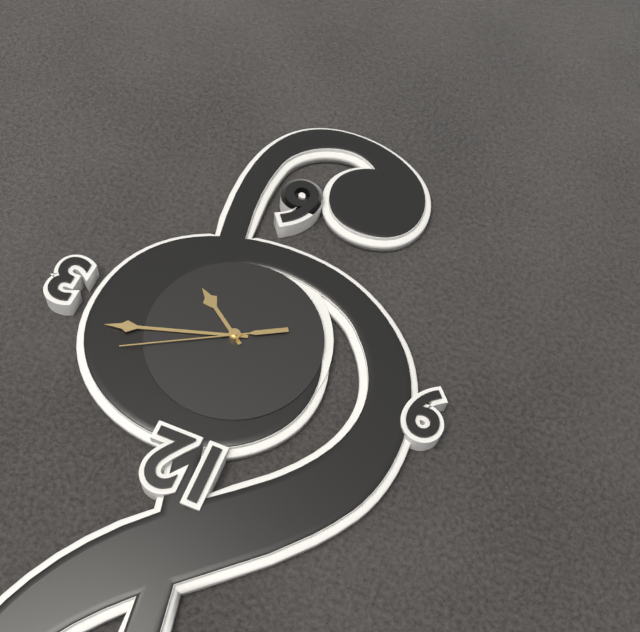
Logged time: 4.12.10
